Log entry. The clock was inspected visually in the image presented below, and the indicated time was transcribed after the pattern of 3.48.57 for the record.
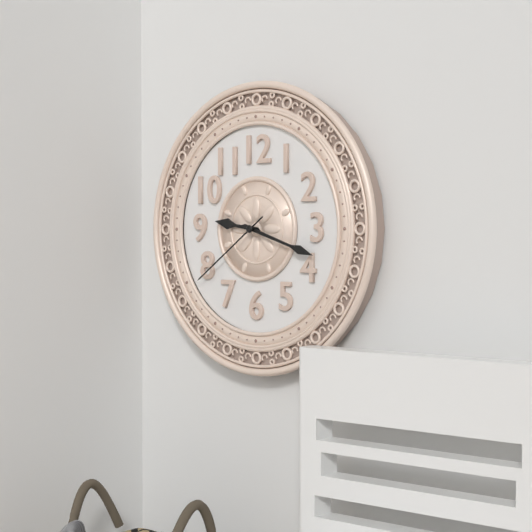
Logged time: 9.18.39
